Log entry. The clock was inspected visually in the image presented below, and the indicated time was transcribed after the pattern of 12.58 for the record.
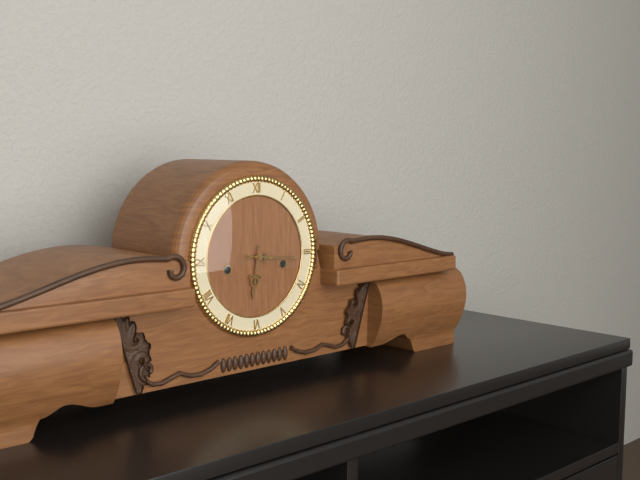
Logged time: 6.16
